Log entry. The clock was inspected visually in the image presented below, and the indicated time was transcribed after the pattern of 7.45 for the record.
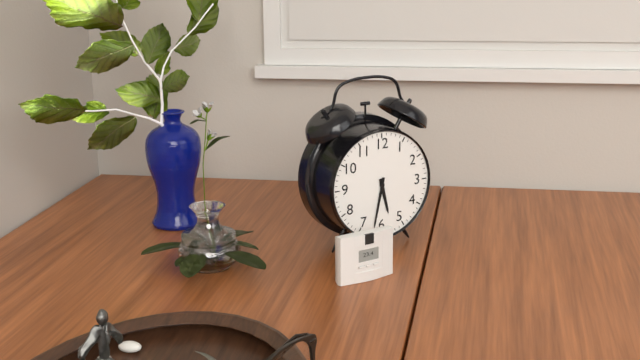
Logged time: 5.32
